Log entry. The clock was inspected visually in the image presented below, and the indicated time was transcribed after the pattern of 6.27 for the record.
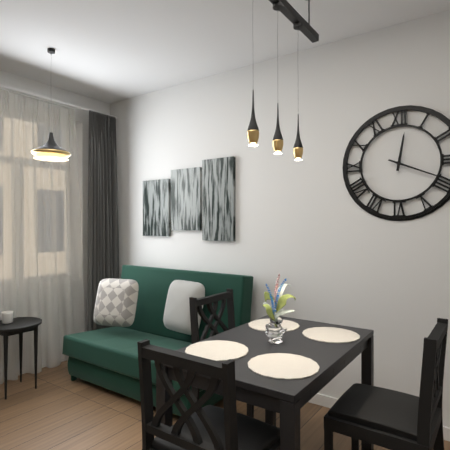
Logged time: 12.19
